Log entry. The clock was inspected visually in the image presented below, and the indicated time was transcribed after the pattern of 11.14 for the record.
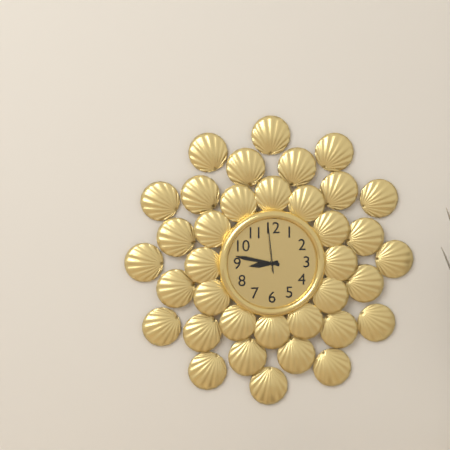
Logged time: 8.47
